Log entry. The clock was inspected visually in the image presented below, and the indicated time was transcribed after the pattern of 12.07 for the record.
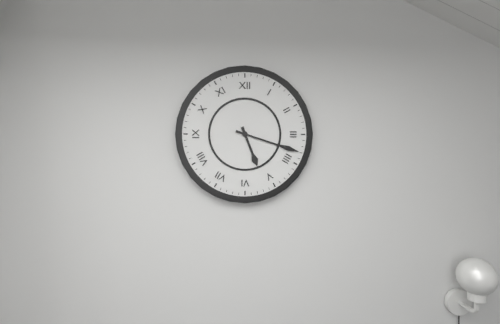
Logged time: 5.18
